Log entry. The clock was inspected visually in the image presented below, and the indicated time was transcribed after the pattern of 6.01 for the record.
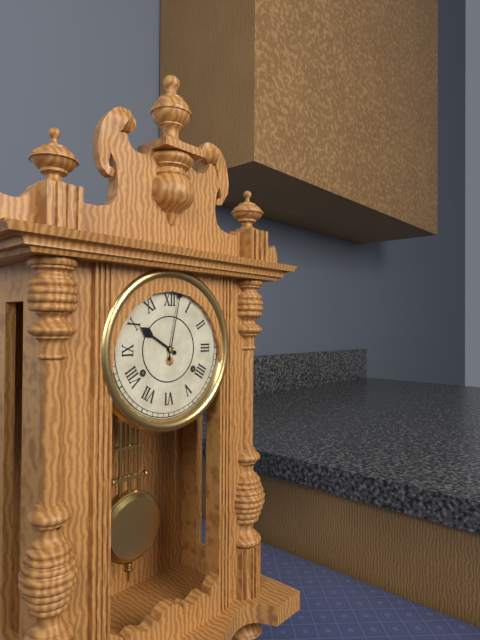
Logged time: 10.02
